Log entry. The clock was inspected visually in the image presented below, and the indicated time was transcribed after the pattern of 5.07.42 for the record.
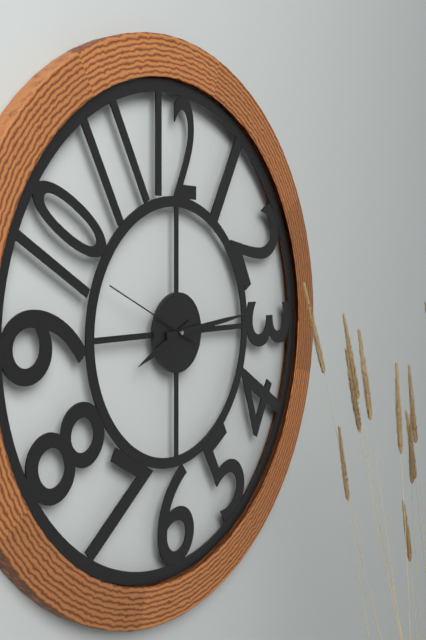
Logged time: 8.14.49
